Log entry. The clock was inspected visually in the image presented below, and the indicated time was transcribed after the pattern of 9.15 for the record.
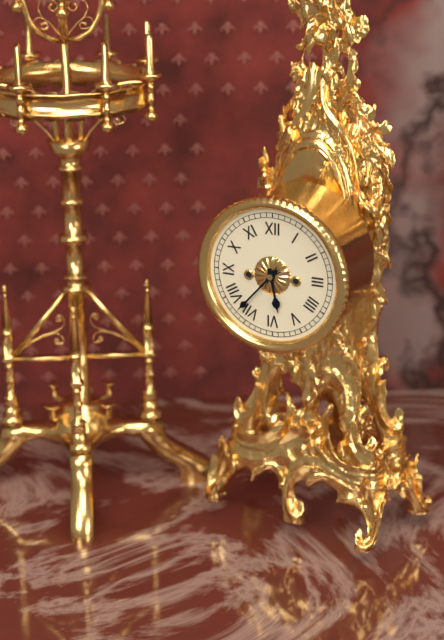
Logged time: 5.37
